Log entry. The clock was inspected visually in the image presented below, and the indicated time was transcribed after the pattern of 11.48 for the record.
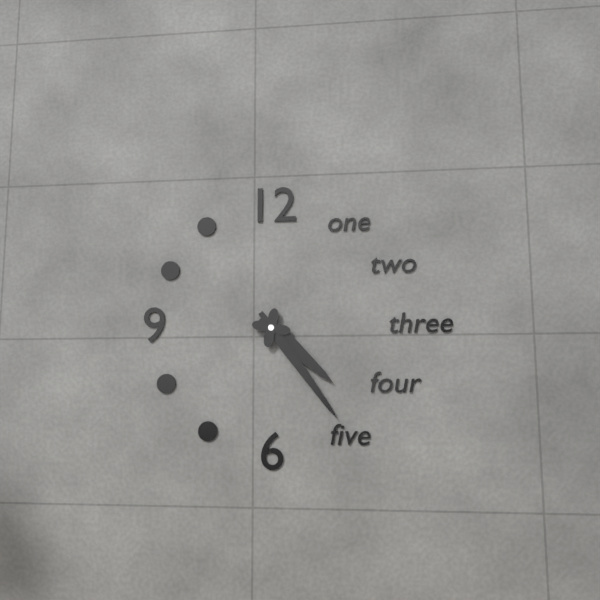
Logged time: 4.24
